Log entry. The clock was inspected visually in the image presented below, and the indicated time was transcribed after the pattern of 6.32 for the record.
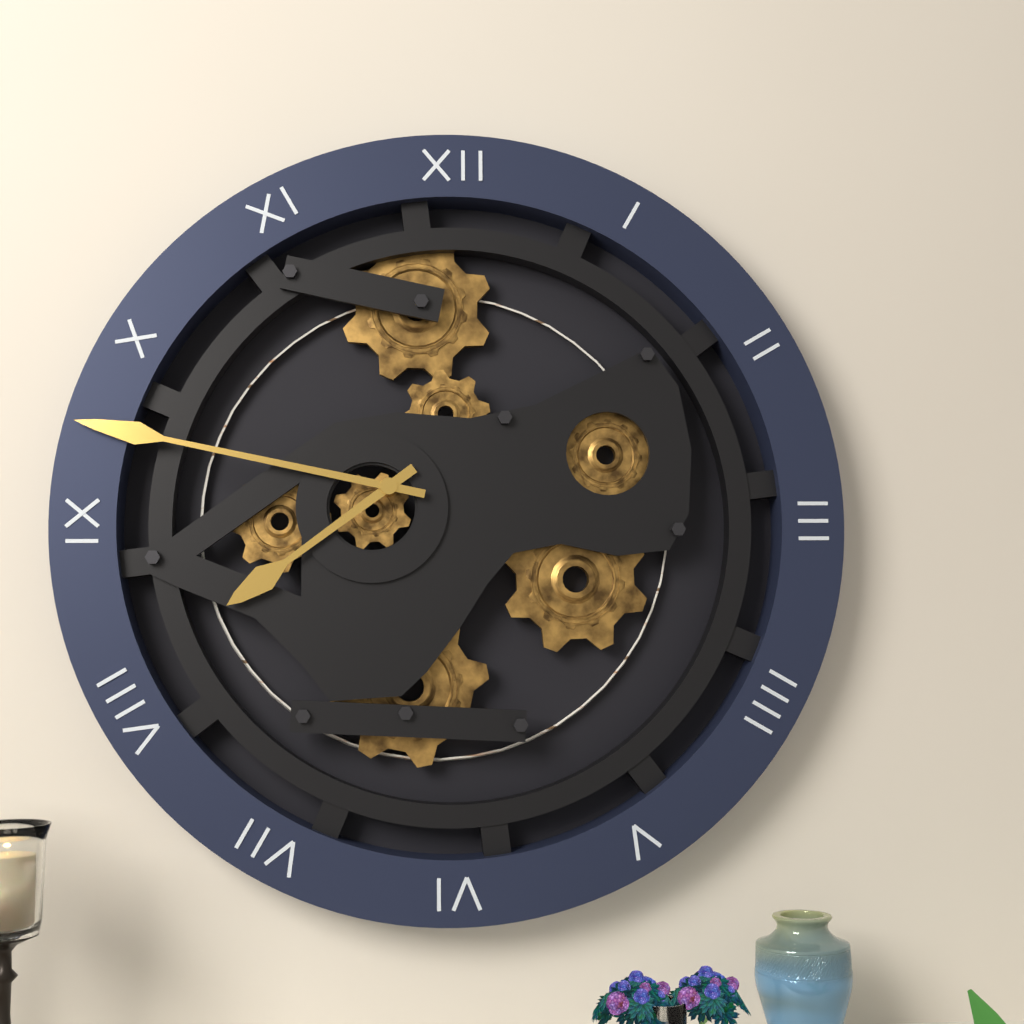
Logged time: 7.47
